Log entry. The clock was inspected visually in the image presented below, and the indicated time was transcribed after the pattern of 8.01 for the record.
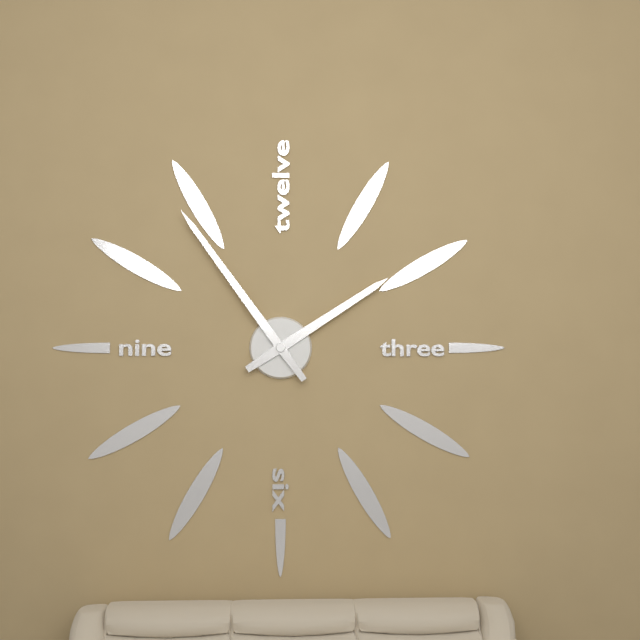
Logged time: 1.54
